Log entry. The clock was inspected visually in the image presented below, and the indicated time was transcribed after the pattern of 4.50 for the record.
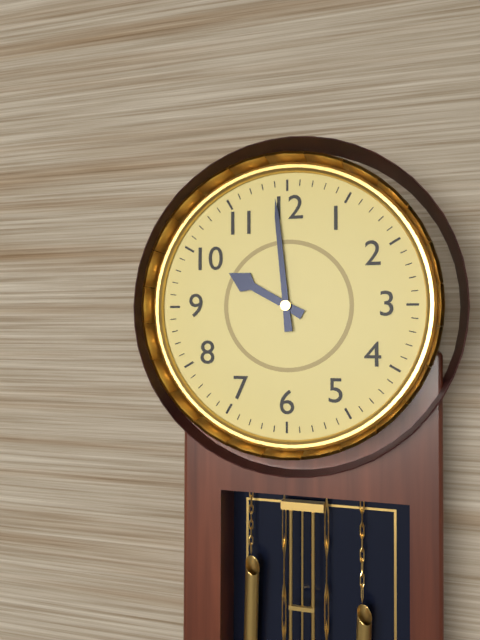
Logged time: 9.59
